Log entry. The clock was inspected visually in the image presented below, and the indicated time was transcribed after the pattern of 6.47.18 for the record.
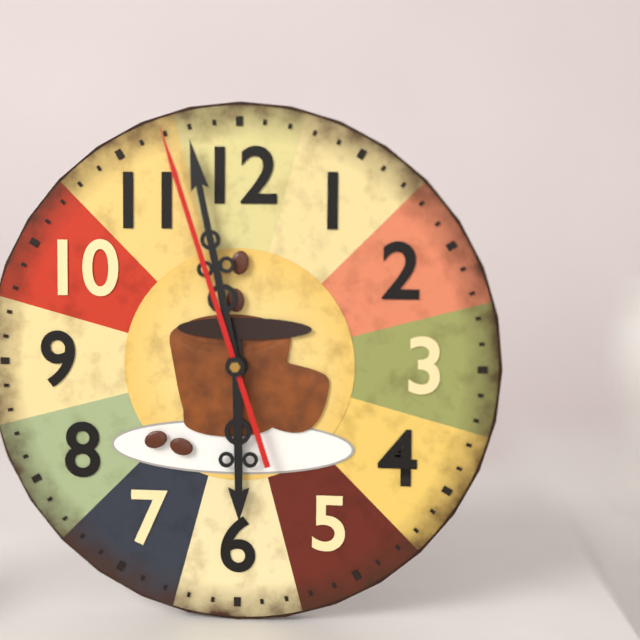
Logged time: 5.58.57
